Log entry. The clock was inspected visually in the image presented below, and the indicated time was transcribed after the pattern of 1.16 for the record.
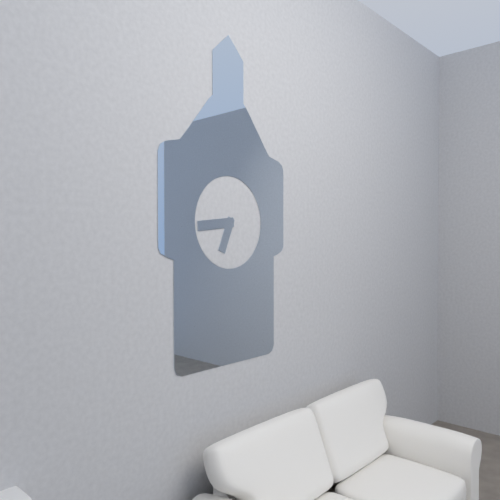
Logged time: 6.44
